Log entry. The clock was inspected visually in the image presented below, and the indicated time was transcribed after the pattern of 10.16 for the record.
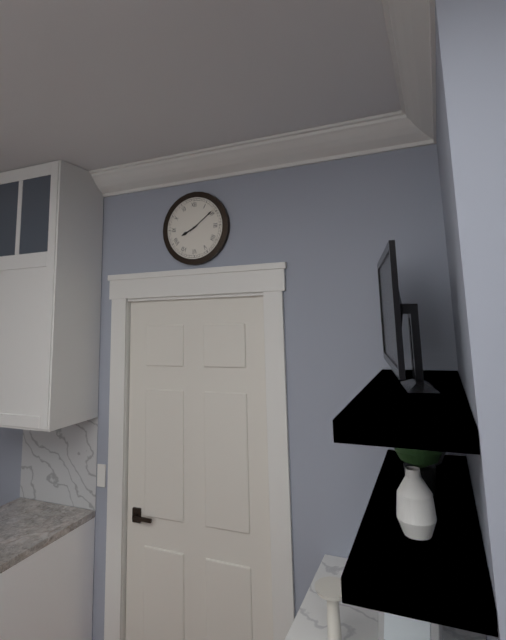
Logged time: 8.09
